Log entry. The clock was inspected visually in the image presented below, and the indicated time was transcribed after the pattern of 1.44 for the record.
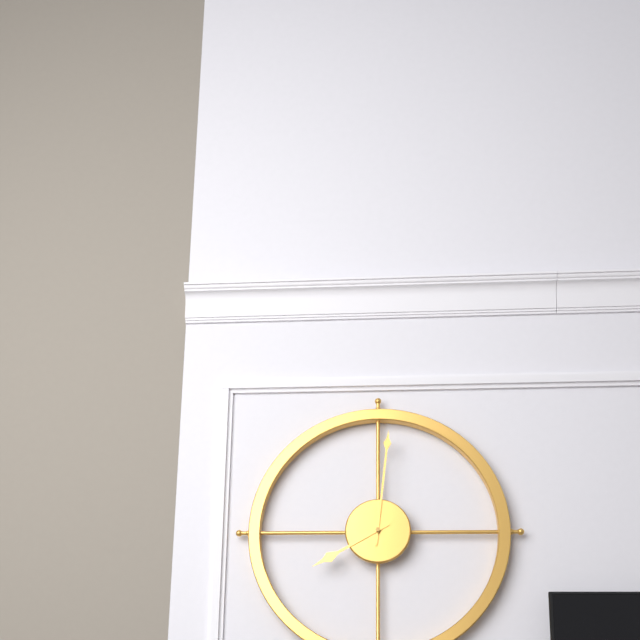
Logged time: 8.01
